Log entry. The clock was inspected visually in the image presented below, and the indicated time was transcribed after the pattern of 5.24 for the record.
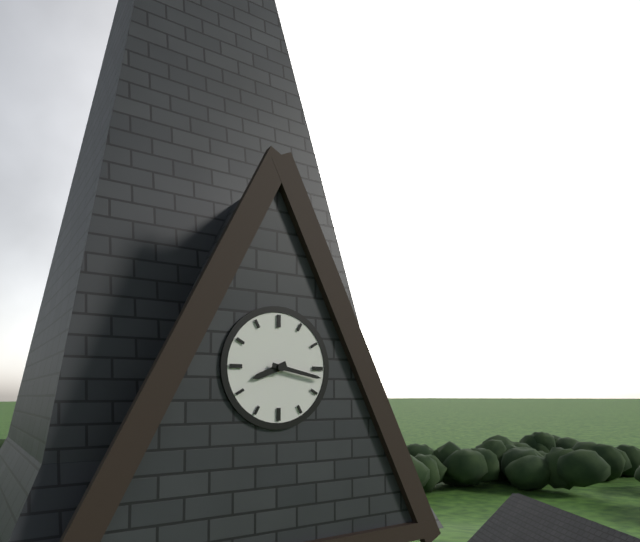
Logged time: 8.17
